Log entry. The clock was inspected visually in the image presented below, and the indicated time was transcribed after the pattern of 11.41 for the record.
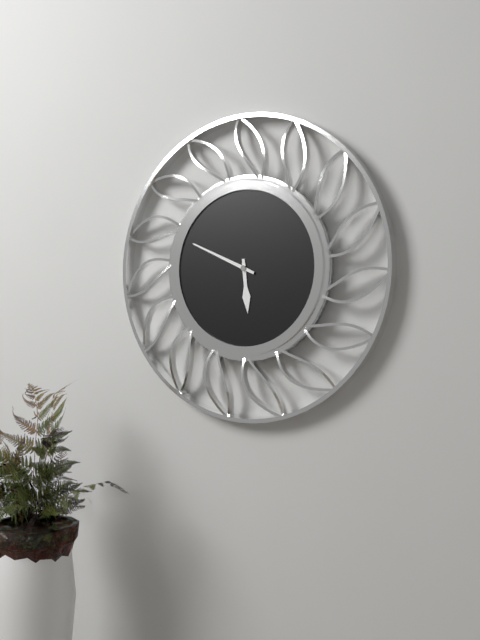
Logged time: 5.49
